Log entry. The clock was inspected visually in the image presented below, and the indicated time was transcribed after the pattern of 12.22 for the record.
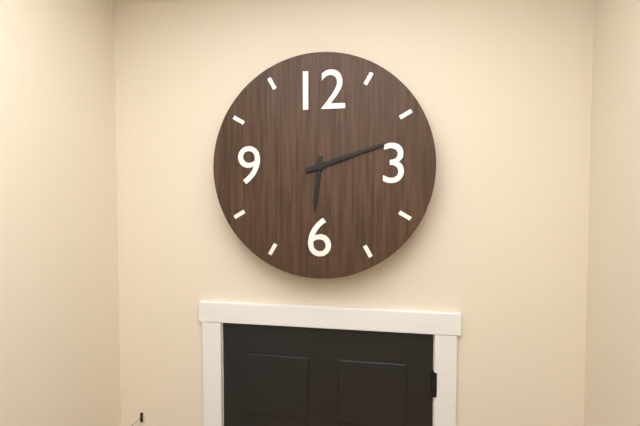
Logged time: 6.12
